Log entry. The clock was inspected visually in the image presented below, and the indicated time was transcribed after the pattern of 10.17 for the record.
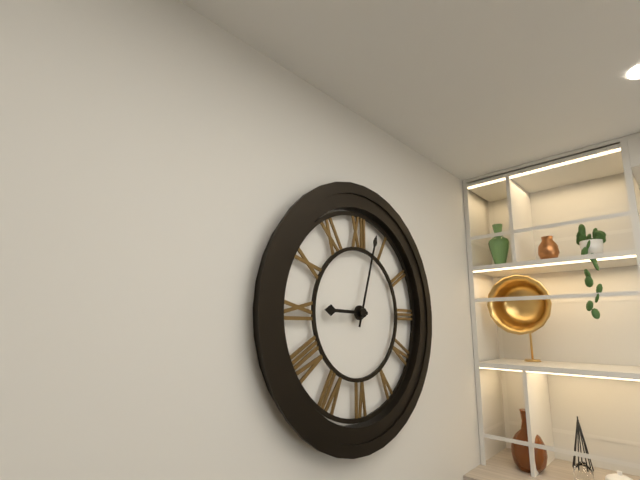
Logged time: 9.03
